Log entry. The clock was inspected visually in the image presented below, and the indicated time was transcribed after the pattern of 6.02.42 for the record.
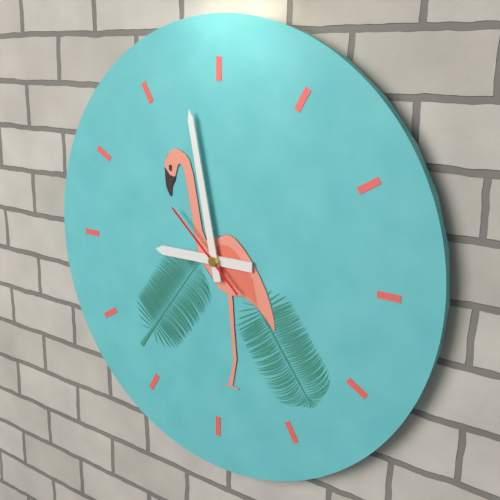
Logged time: 8.58.52
